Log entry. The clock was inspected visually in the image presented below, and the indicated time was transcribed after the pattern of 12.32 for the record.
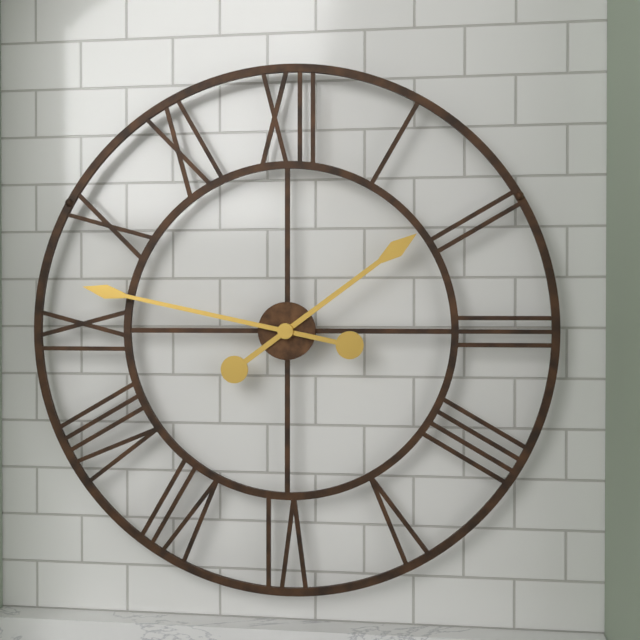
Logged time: 1.47
